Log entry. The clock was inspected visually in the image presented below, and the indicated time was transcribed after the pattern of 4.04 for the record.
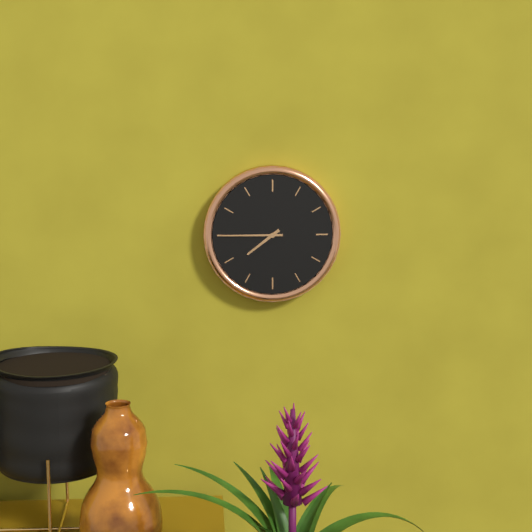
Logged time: 7.45
